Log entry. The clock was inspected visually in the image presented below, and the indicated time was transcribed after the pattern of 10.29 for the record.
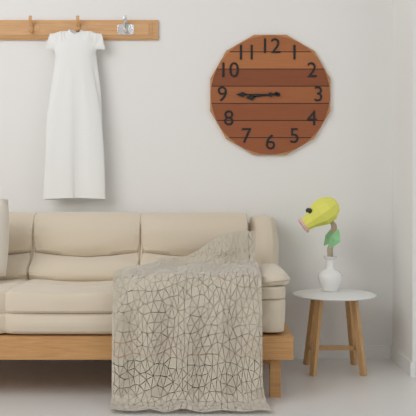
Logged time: 8.45
